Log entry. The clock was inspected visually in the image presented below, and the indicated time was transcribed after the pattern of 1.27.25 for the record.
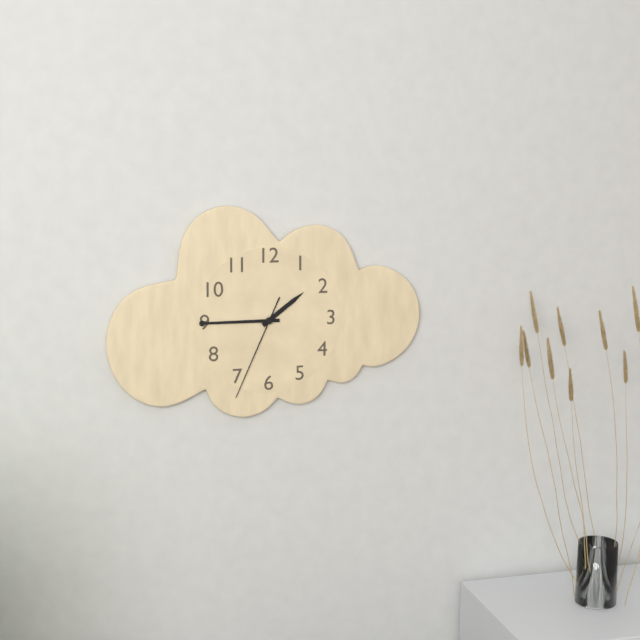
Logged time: 1.45.34
